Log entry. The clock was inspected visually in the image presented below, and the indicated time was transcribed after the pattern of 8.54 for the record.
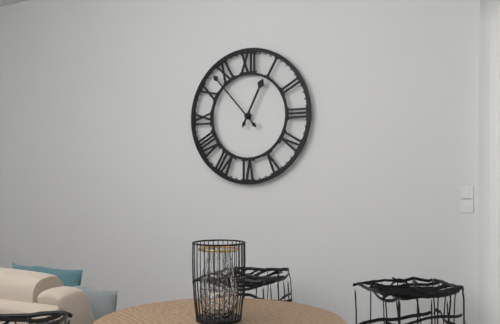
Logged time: 12.53
